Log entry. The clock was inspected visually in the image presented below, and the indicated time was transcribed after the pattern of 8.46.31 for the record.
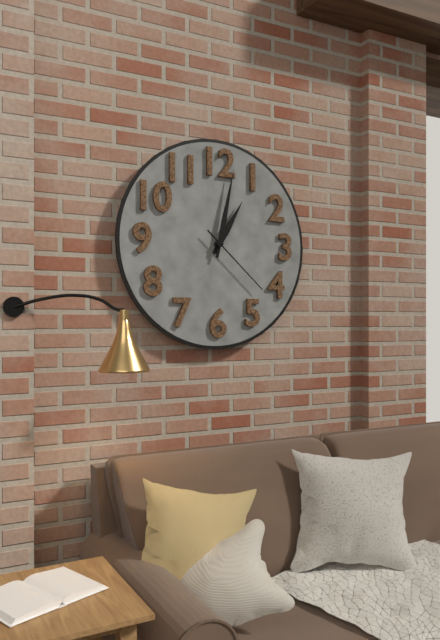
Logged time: 1.02.22
